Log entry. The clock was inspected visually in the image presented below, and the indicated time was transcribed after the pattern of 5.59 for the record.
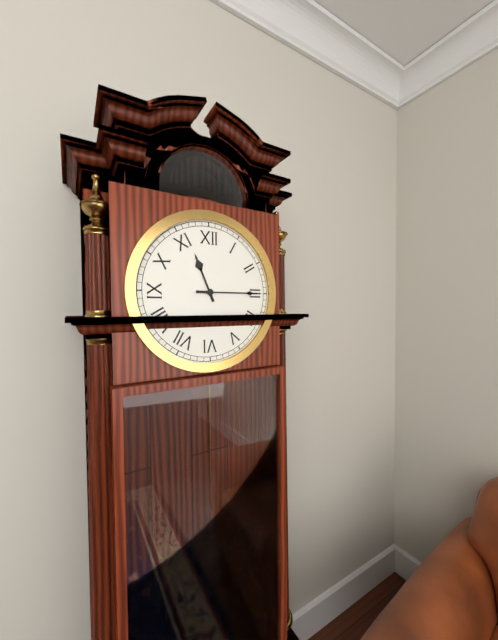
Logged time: 11.15
